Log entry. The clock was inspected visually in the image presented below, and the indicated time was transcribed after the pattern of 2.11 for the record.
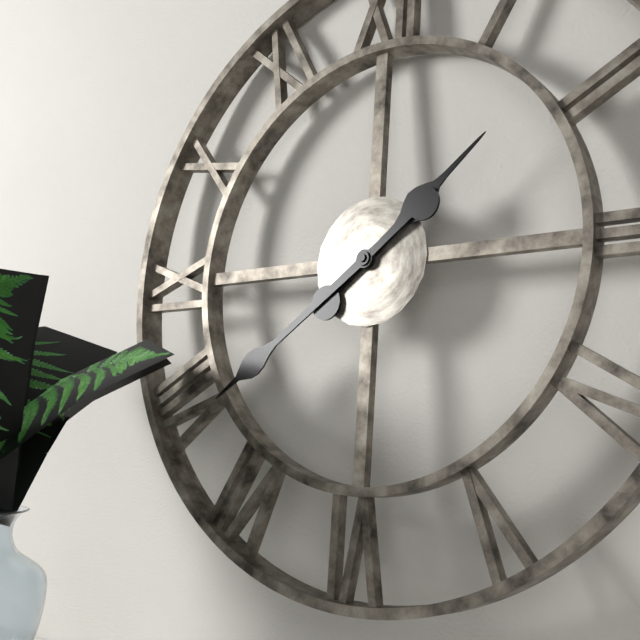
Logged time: 1.39
